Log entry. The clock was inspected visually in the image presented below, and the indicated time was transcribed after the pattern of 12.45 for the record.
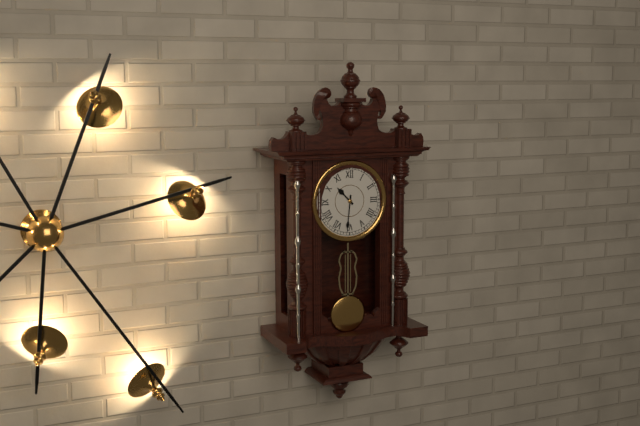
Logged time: 10.31
